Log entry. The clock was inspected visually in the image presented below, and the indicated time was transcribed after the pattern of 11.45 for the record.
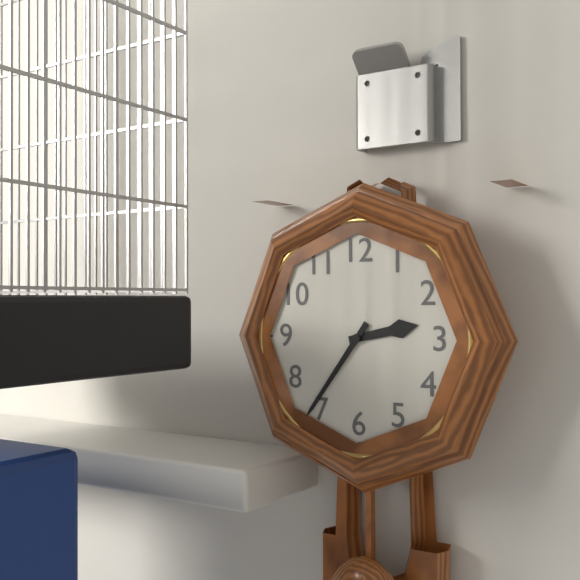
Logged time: 2.36
